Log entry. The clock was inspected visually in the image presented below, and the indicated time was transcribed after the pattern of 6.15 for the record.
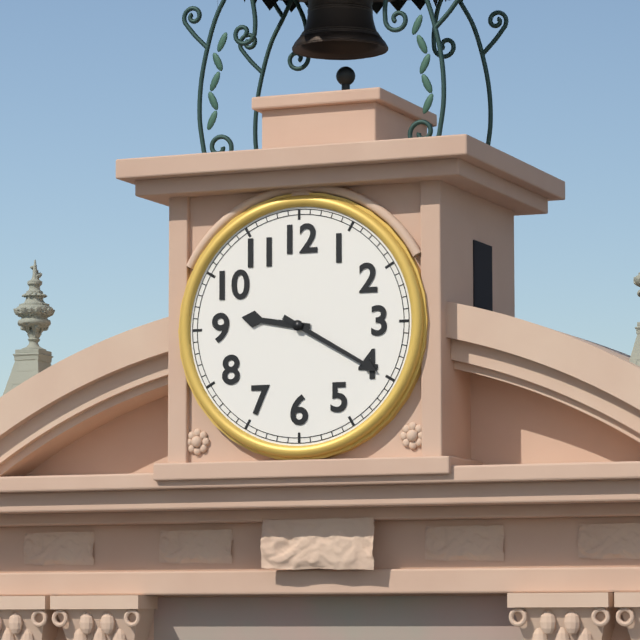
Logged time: 9.20
